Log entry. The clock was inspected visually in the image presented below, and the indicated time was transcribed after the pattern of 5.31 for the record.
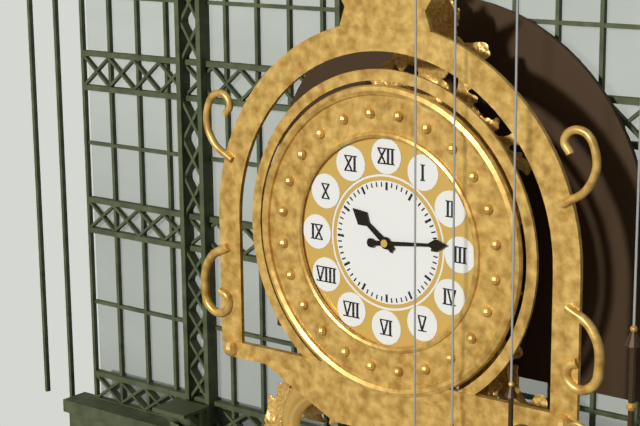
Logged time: 10.14
